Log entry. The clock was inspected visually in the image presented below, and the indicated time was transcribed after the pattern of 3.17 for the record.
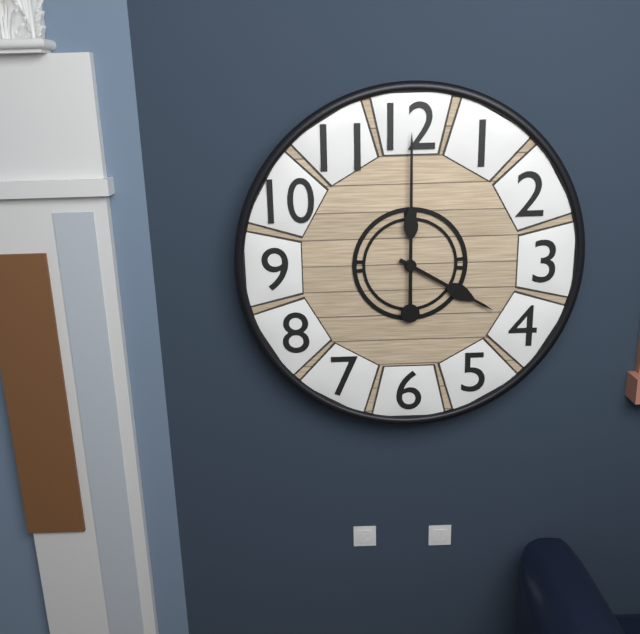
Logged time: 4.00
